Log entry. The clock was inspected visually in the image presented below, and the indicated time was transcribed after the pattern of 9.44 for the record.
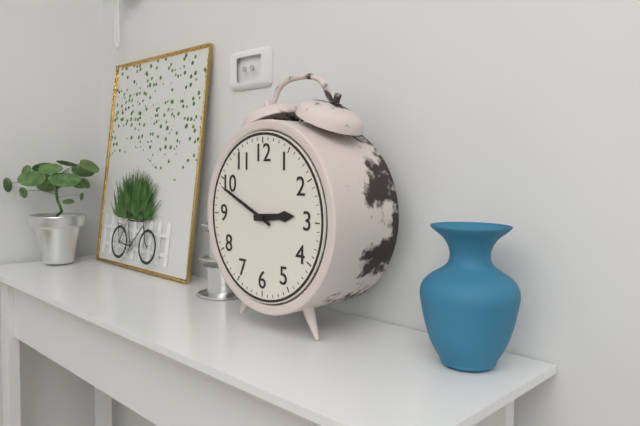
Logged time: 2.49
